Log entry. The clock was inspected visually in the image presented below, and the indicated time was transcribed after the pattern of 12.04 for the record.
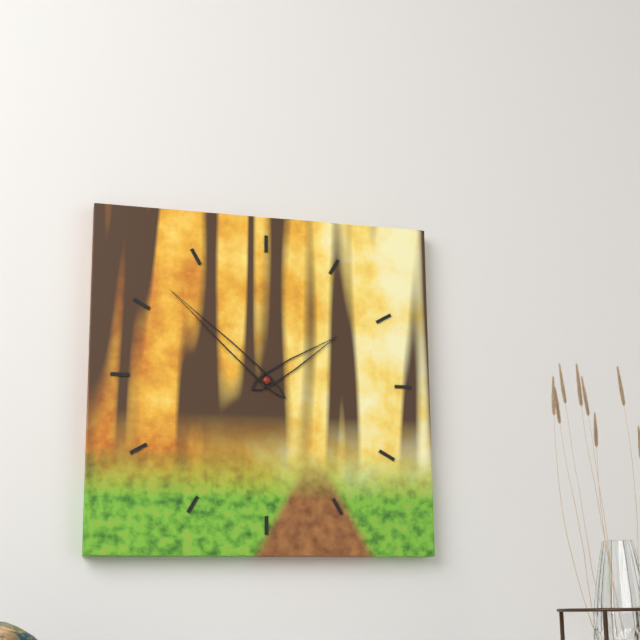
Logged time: 1.52
